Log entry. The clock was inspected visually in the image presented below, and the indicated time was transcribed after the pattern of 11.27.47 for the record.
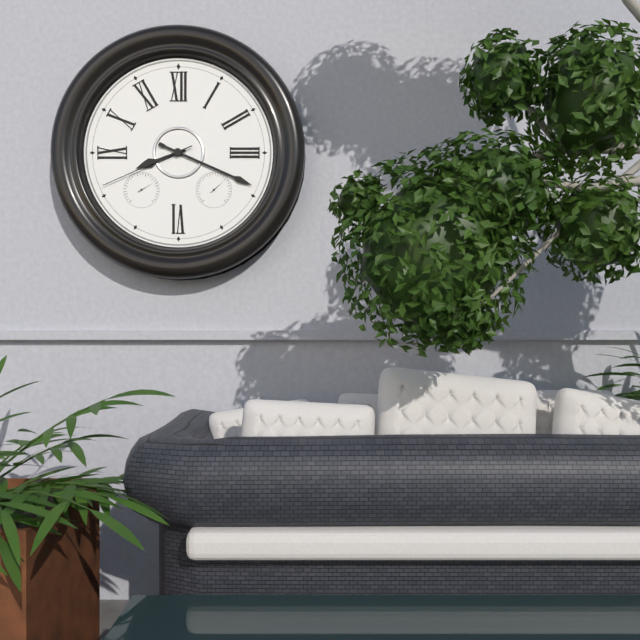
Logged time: 8.19.41
